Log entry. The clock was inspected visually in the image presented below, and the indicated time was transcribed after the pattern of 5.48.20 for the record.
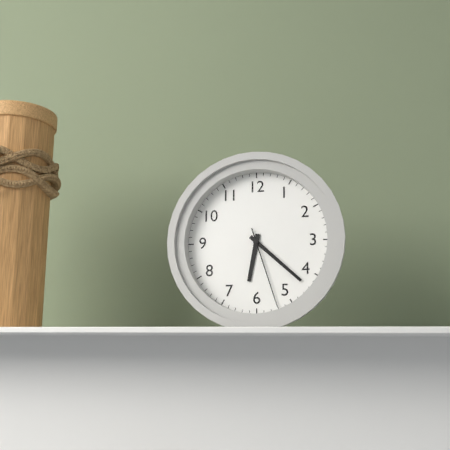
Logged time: 6.22.27
